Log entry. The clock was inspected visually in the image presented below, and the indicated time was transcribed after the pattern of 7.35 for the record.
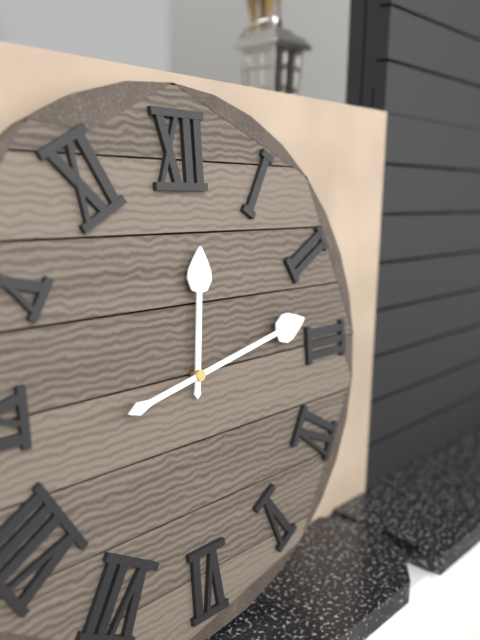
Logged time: 12.13
